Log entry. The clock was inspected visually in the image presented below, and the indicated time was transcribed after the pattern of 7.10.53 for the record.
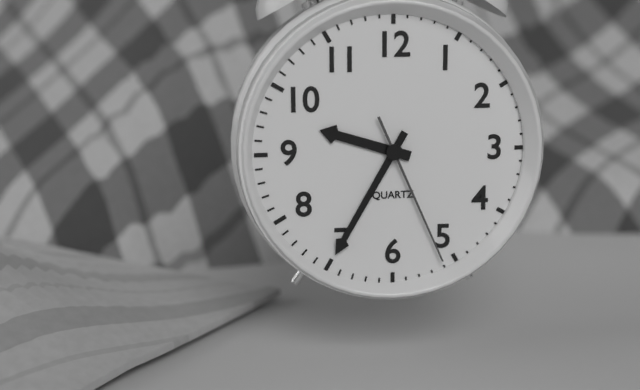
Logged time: 9.35.26
